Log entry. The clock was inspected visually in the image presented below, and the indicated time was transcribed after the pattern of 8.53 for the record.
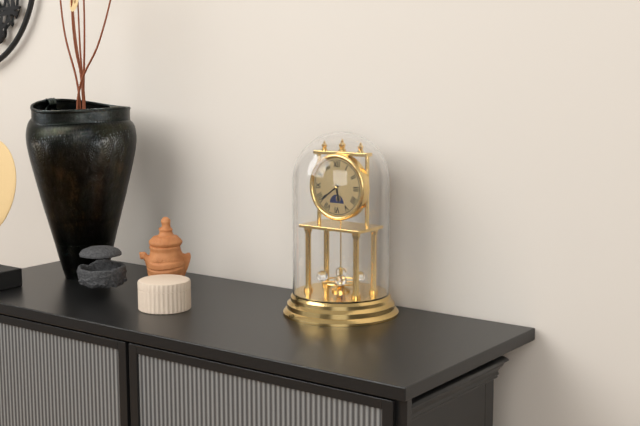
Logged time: 5.39
